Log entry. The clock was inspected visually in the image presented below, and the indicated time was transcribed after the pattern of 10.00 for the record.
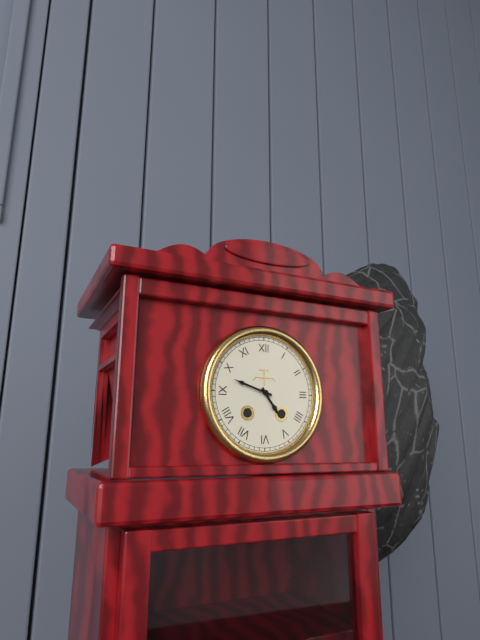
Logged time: 4.48
